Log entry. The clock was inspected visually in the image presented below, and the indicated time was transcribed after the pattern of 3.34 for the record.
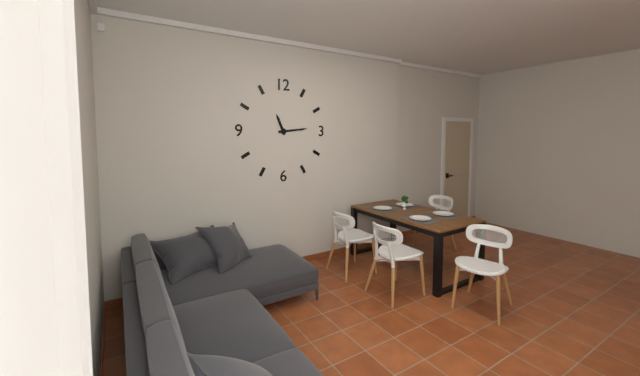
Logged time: 11.14
